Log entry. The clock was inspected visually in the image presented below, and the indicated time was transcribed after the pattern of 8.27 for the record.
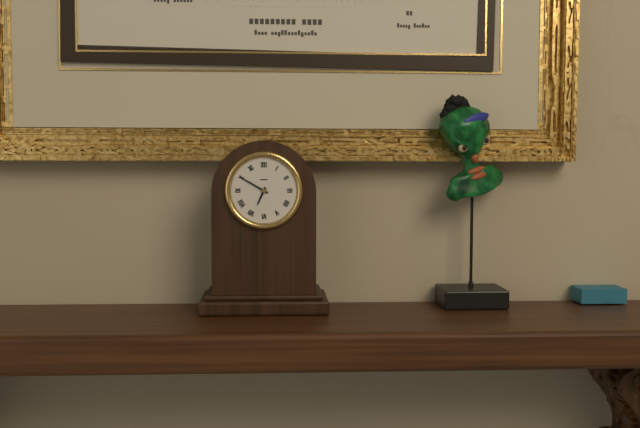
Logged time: 6.50
